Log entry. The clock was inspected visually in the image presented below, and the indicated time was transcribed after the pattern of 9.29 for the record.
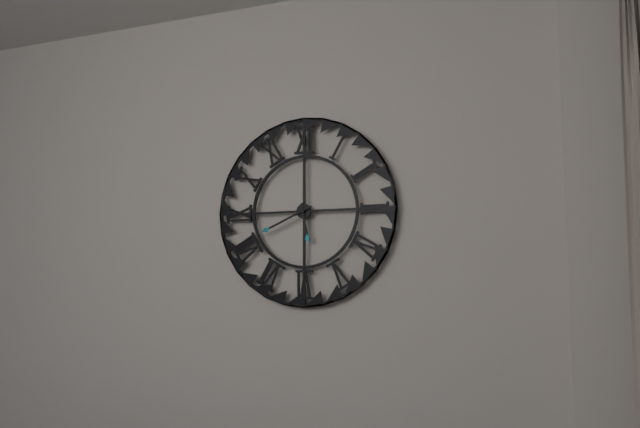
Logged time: 5.41
